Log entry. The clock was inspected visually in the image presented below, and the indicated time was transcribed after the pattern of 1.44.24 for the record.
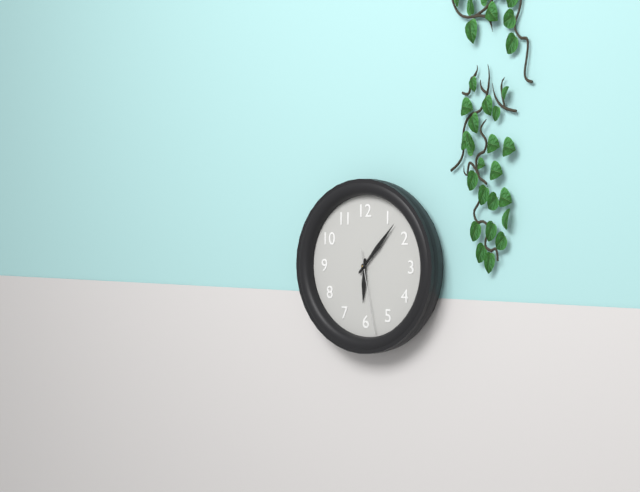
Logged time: 6.07.28
